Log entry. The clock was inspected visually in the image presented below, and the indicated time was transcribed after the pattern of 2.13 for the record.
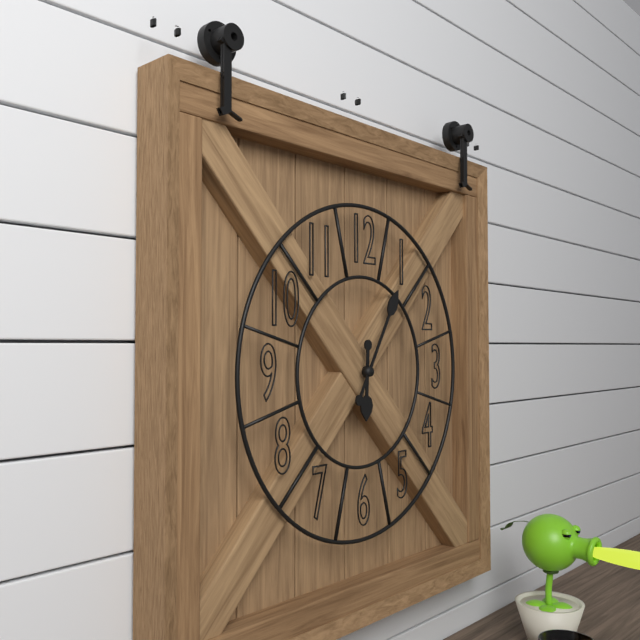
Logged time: 6.05
